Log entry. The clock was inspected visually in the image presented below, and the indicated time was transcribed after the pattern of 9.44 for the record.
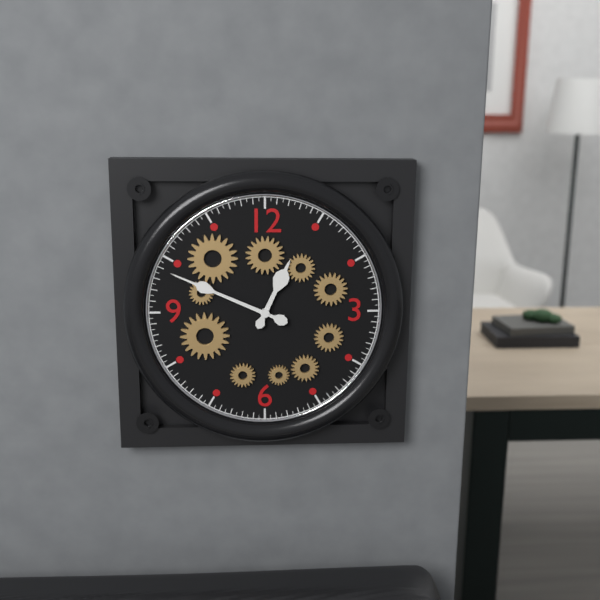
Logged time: 12.49
